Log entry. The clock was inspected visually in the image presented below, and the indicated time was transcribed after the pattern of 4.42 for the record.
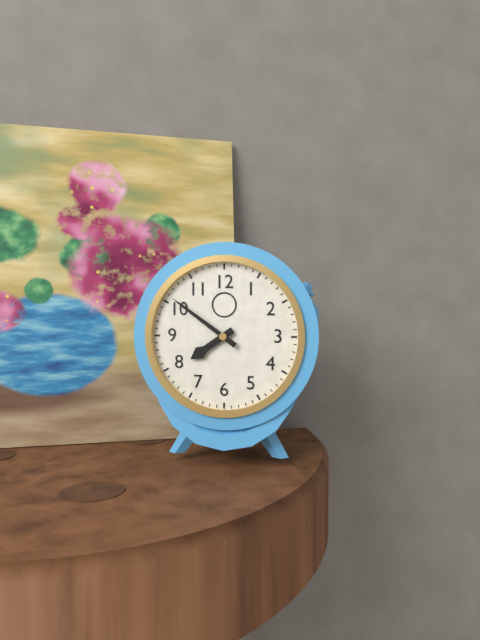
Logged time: 7.51
